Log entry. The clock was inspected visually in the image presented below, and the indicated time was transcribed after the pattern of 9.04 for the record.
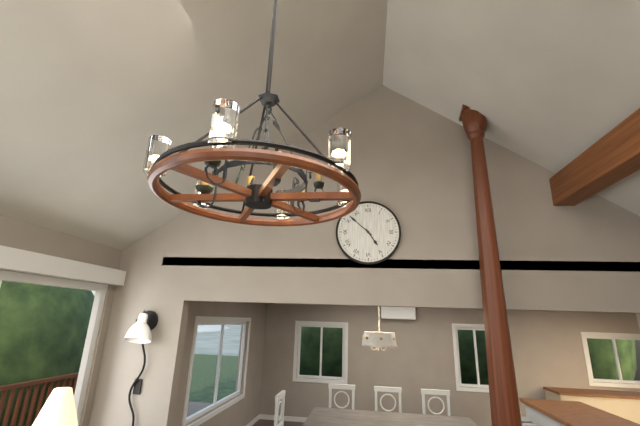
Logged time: 4.52
